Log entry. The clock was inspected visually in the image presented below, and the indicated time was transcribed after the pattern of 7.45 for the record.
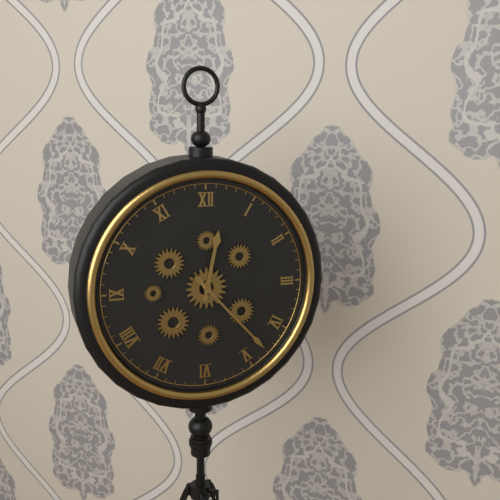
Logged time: 12.23
